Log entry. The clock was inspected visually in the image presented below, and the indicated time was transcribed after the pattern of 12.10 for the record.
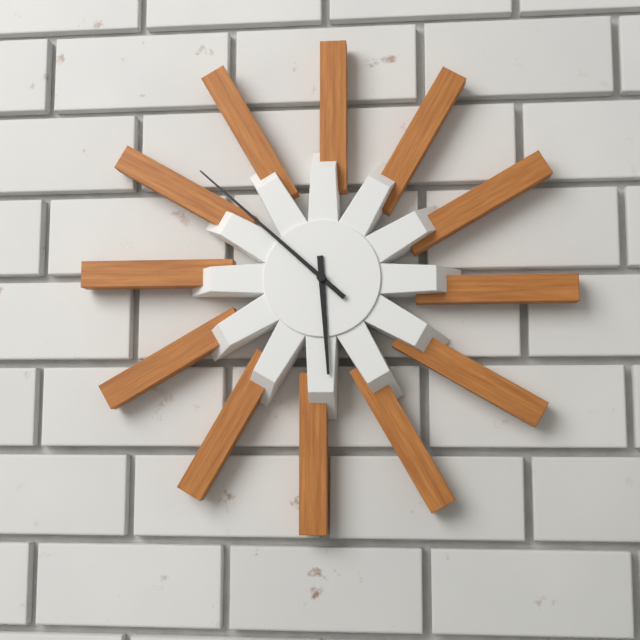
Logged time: 5.52
